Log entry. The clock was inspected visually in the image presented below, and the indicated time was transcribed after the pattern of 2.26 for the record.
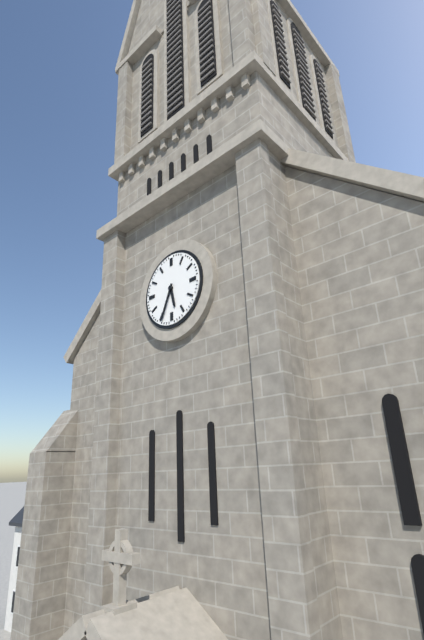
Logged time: 5.34
